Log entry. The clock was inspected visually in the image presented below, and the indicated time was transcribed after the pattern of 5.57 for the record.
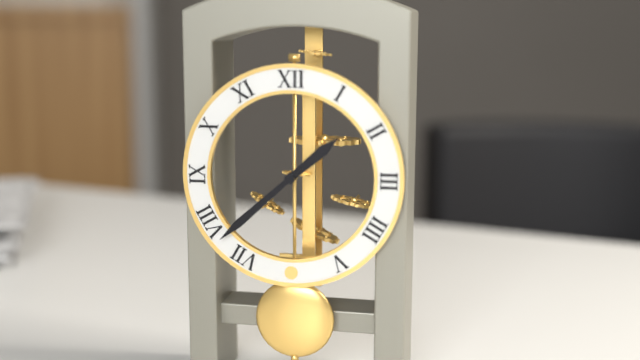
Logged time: 1.38
